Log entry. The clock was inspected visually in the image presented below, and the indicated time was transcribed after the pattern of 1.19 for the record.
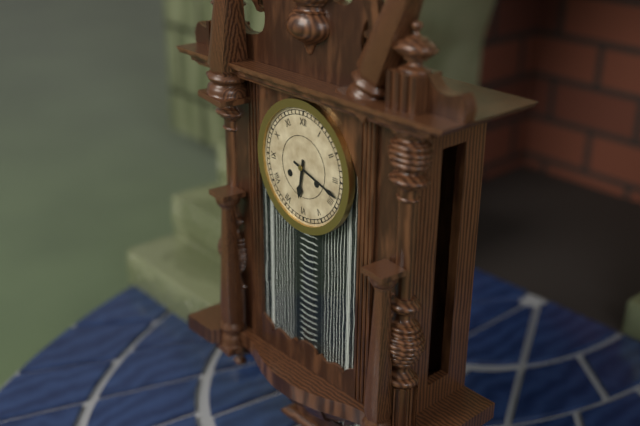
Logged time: 6.18
